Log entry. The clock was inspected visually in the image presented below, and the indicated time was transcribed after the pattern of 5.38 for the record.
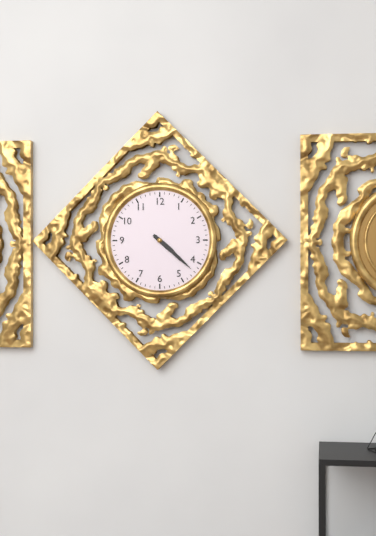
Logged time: 4.22
